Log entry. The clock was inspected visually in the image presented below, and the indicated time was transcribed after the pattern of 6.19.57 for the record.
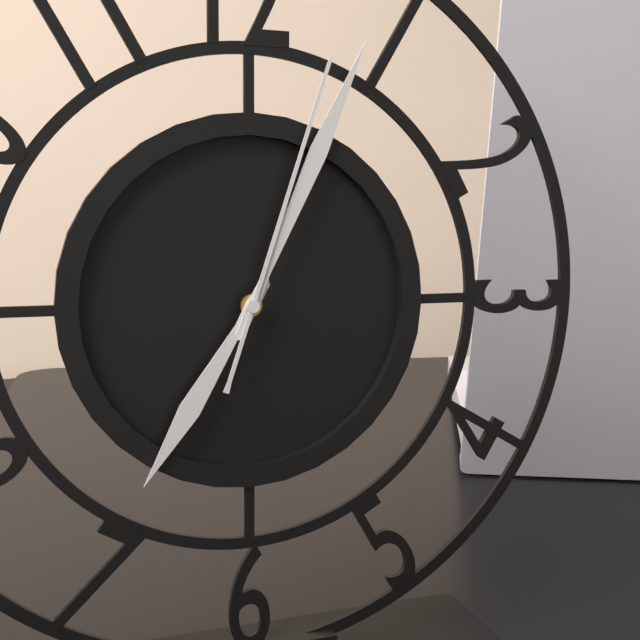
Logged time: 7.04.03
